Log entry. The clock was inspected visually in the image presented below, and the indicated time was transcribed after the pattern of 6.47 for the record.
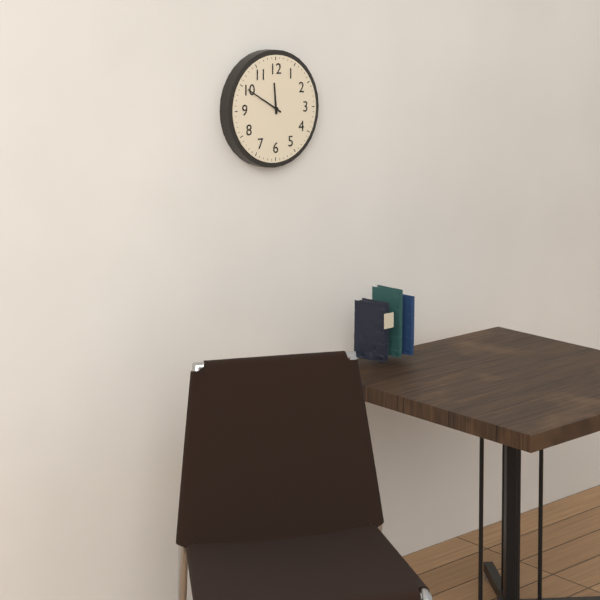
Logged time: 11.50
